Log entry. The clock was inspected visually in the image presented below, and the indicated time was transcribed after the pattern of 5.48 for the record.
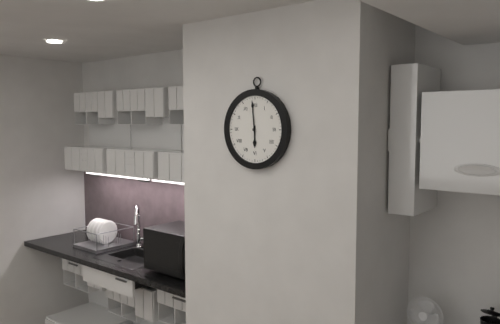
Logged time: 5.59
